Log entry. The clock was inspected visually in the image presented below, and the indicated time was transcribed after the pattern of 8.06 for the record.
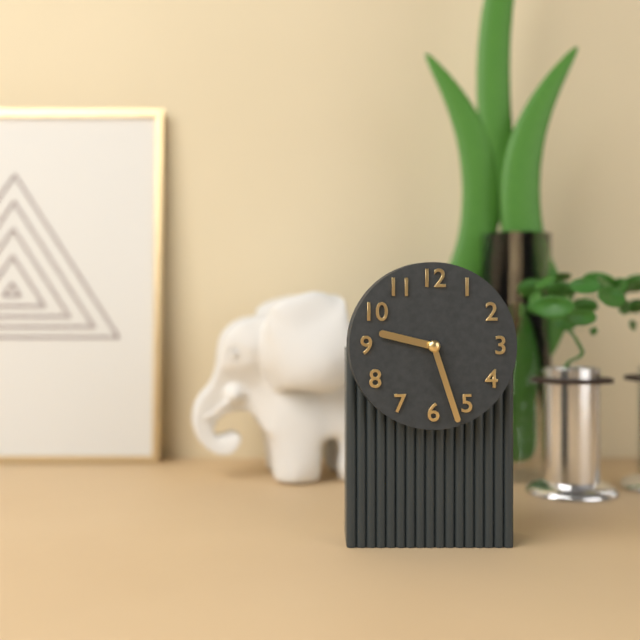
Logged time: 9.27
